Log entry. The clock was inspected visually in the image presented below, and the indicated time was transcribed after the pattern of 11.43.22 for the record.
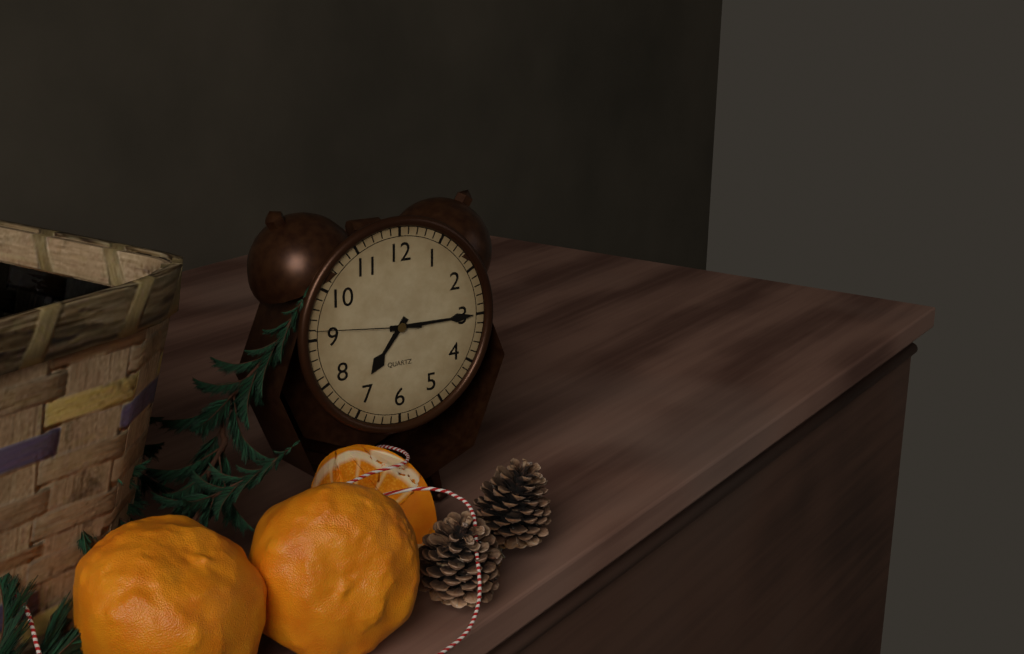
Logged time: 7.15.46
